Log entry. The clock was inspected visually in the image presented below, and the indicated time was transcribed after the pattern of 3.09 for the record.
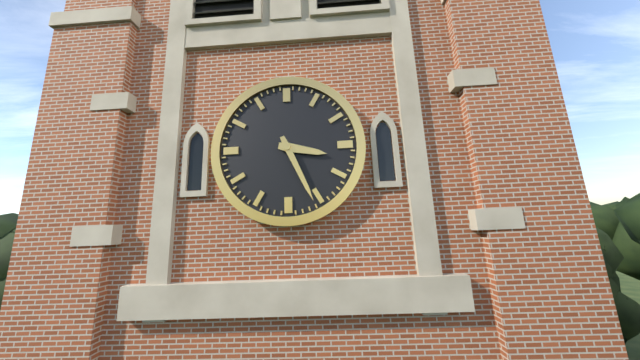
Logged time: 3.26
